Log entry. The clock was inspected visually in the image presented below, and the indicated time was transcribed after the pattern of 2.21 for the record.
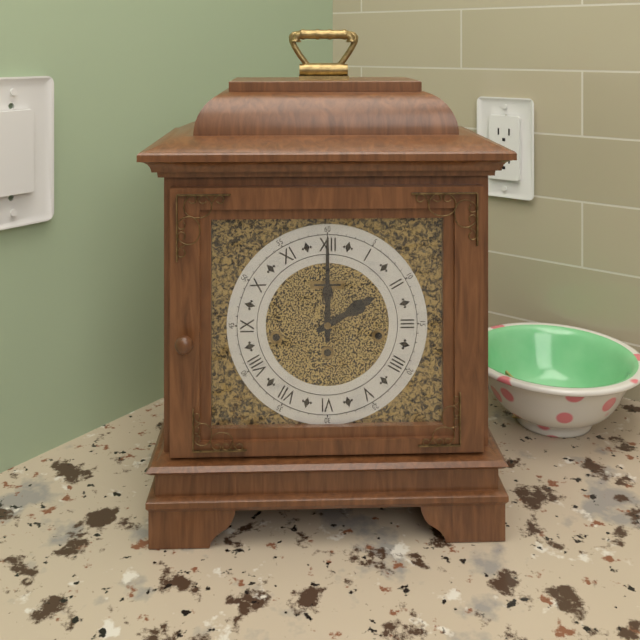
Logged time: 2.00
